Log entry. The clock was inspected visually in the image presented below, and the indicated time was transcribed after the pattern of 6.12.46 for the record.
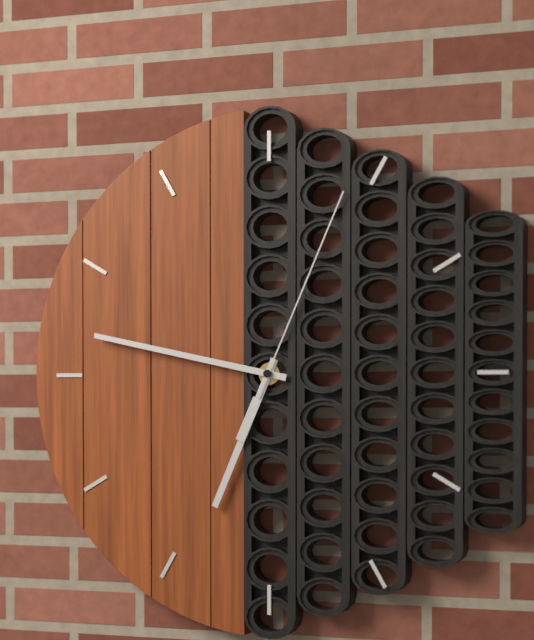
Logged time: 6.47.04
